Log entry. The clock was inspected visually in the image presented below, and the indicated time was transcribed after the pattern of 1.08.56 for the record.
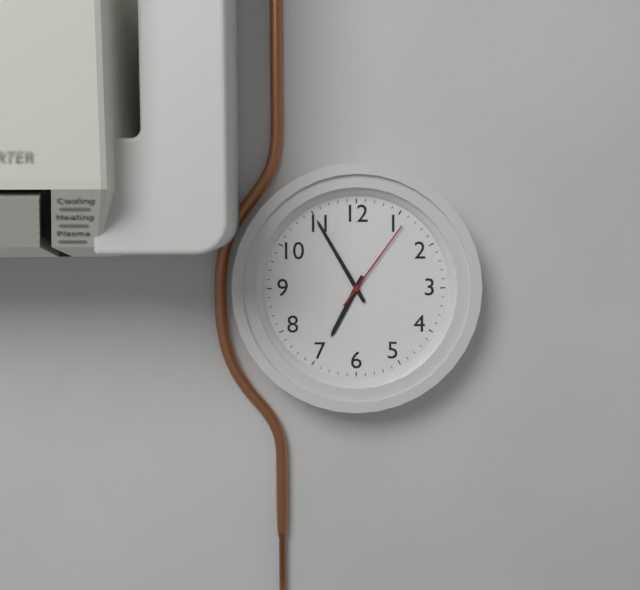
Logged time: 6.55.06
